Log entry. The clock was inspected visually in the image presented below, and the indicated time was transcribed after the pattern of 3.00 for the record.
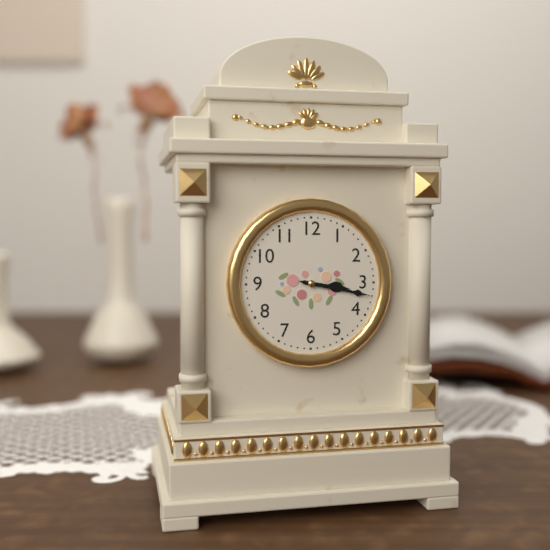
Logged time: 3.17
